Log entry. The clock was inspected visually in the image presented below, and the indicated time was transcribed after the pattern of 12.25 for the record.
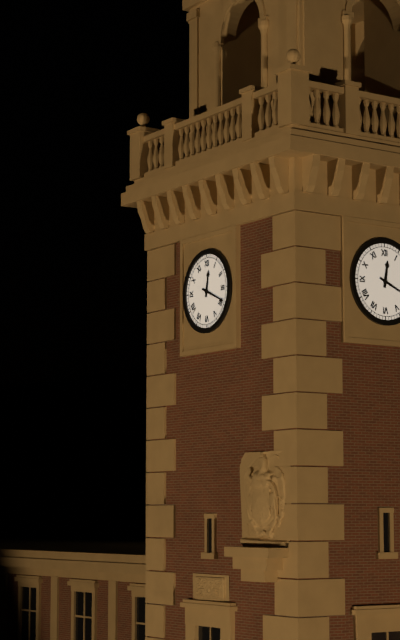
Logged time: 12.19
